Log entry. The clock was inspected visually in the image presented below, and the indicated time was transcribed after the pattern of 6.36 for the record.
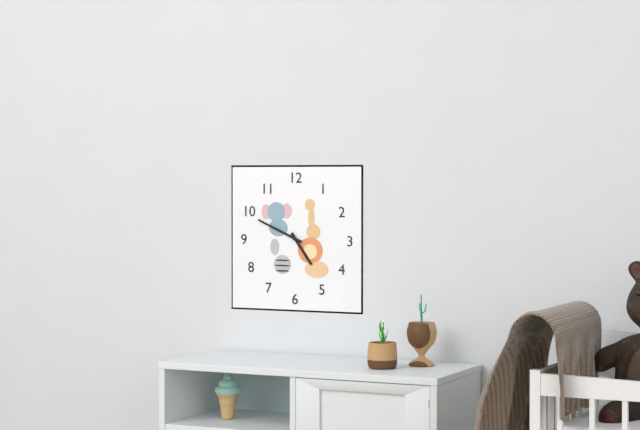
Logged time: 4.49
